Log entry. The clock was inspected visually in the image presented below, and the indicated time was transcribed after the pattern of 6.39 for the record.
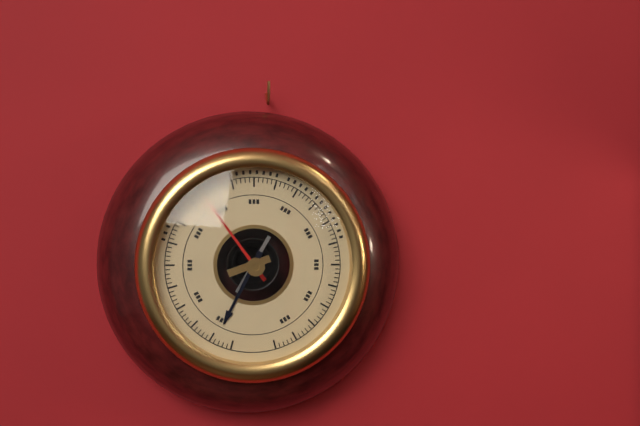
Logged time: 6.54
